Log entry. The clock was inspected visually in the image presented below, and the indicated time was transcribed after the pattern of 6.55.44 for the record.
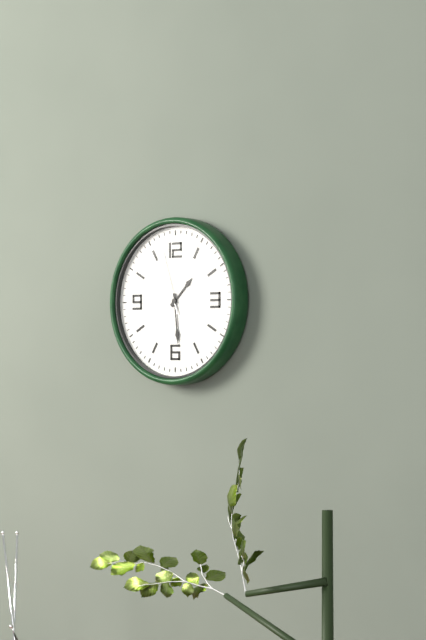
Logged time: 1.29.57
